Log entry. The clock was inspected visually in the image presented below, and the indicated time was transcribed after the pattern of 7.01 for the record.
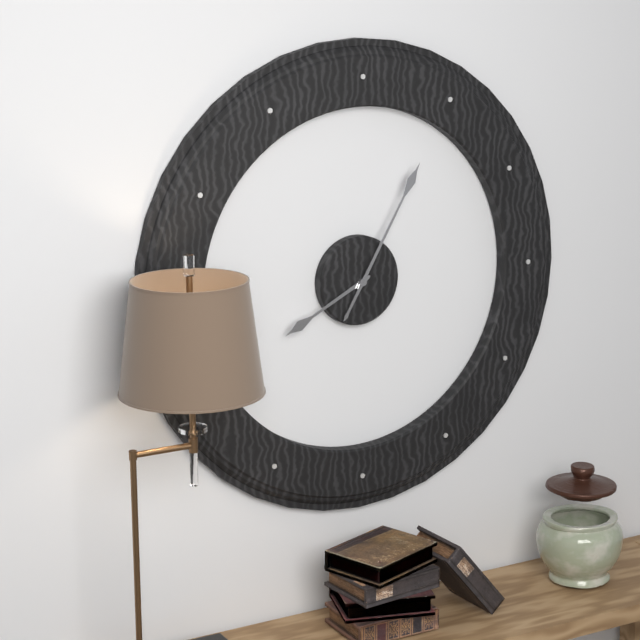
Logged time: 8.05
